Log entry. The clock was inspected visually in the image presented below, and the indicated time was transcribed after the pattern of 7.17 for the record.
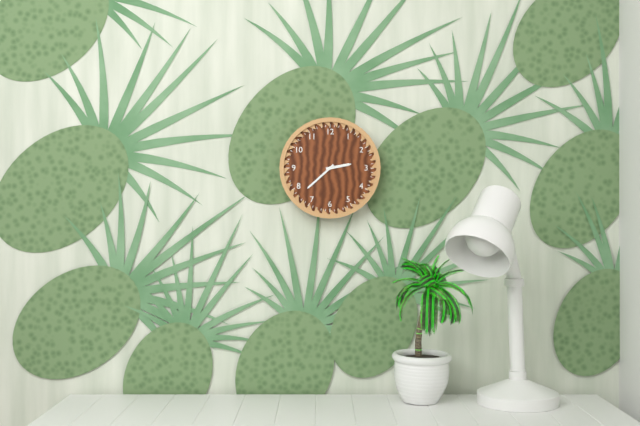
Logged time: 2.38
